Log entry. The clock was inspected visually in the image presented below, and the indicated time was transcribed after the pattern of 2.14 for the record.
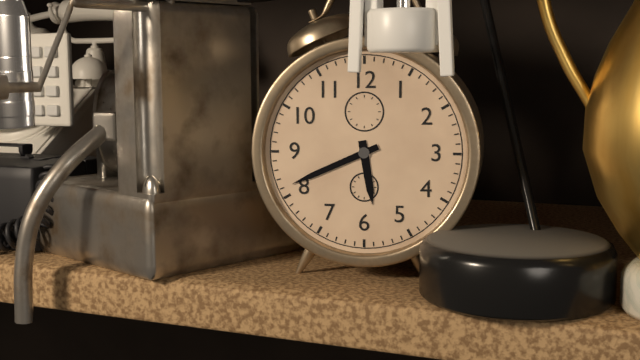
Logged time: 5.41
